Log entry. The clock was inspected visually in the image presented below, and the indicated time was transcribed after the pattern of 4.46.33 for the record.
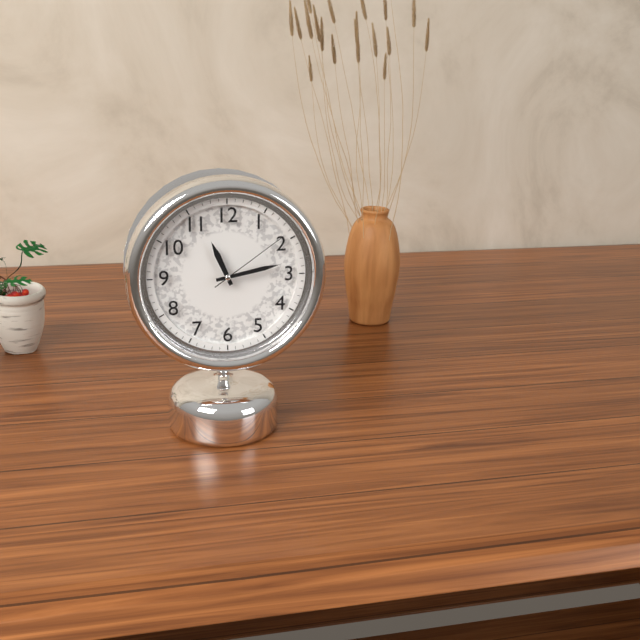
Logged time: 11.13.09
